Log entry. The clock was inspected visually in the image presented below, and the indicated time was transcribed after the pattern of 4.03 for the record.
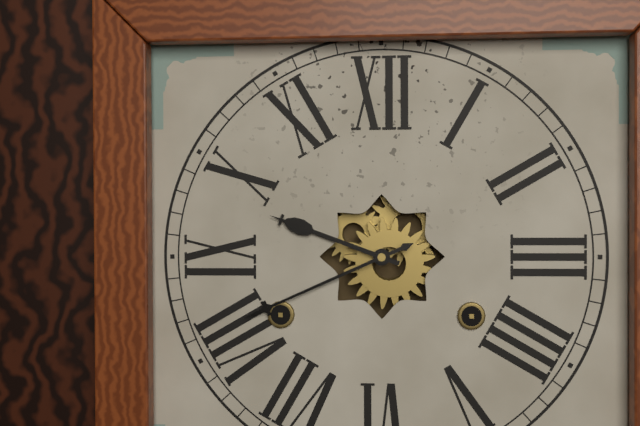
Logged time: 9.41
